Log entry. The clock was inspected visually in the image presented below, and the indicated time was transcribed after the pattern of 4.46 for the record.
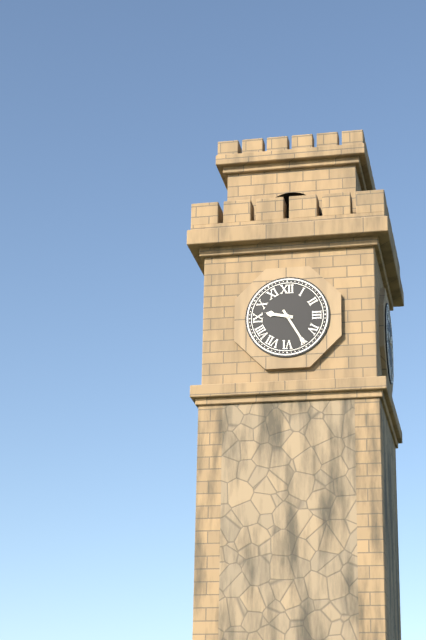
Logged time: 9.25
